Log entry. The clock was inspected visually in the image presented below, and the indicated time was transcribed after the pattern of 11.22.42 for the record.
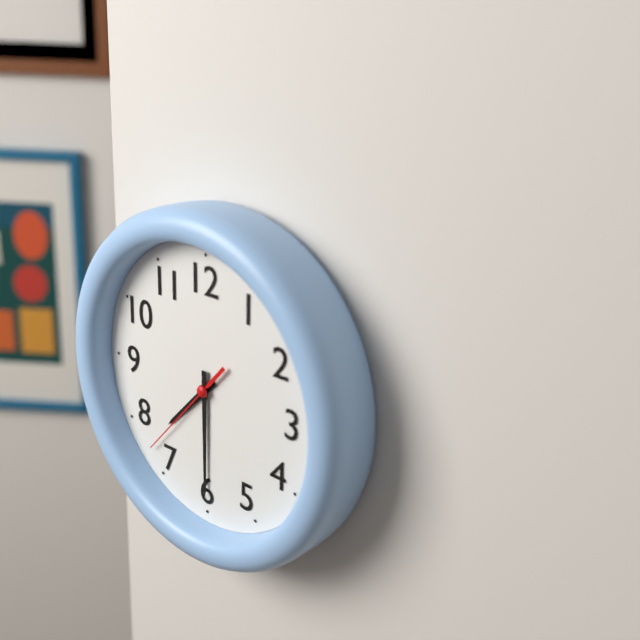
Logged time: 7.30.37
